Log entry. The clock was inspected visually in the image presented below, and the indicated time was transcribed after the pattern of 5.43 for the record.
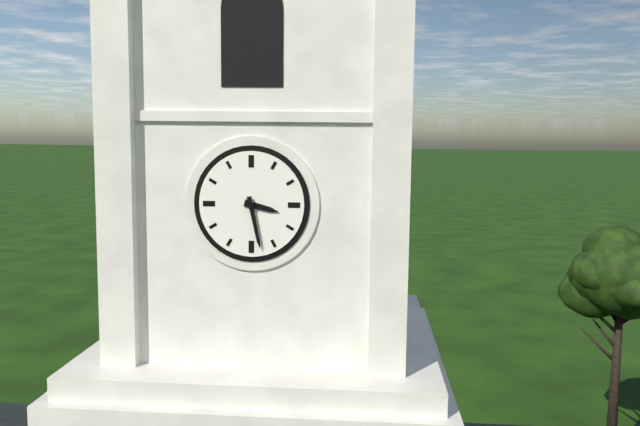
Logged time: 3.28
